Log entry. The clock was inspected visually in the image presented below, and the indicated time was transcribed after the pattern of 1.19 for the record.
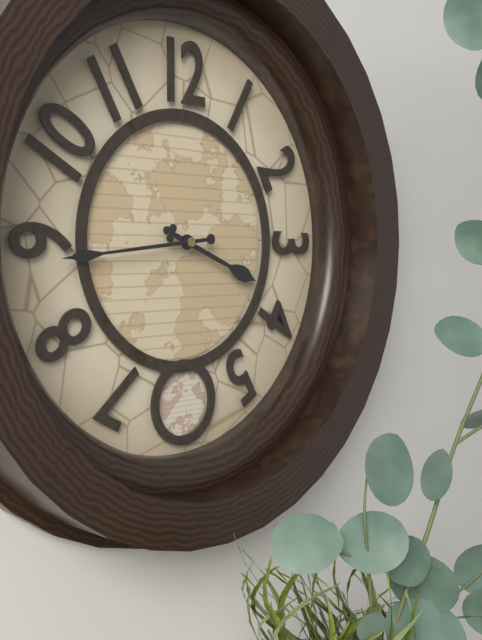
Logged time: 3.44
